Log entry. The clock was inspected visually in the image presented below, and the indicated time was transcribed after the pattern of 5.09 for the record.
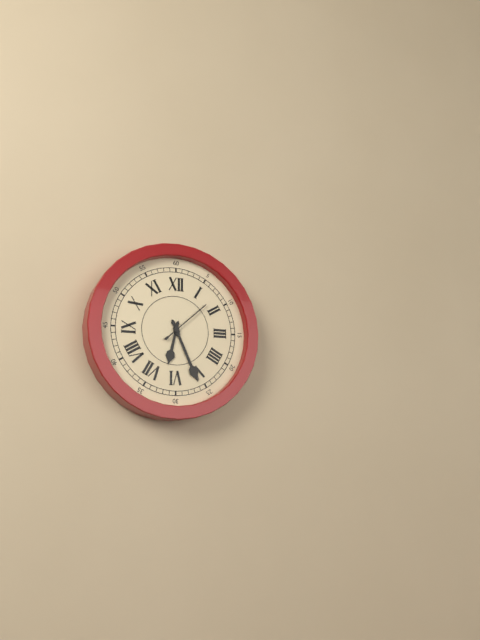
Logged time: 6.26
